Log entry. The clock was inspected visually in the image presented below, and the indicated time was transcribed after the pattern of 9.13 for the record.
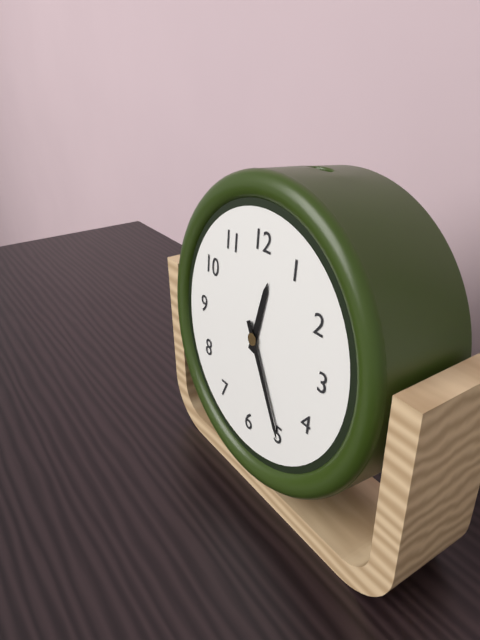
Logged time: 12.25
